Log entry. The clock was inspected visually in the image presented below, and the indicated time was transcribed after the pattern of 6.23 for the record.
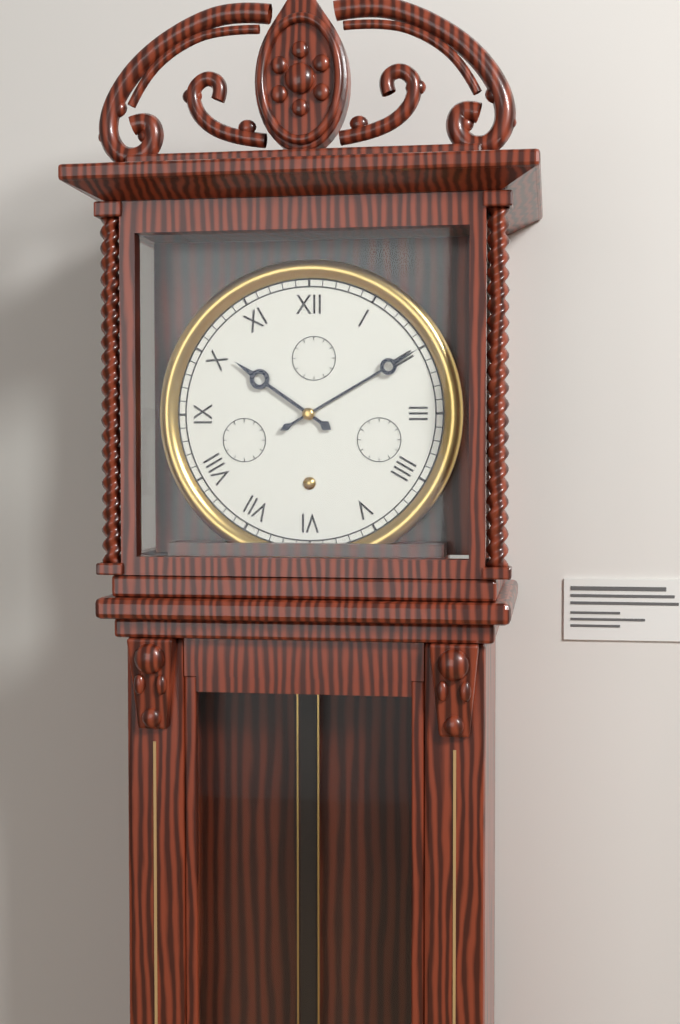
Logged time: 10.10
